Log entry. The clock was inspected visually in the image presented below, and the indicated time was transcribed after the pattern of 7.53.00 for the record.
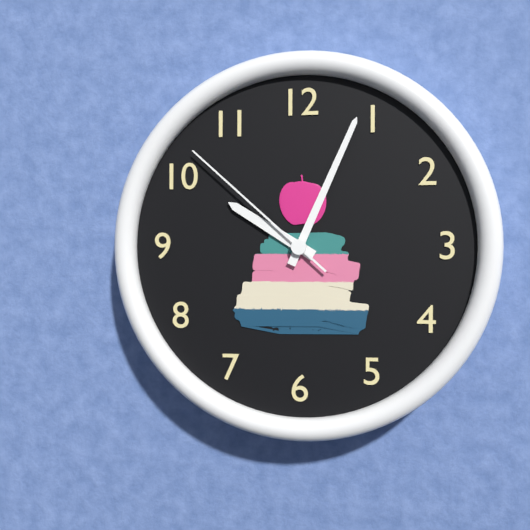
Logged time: 10.04.52
